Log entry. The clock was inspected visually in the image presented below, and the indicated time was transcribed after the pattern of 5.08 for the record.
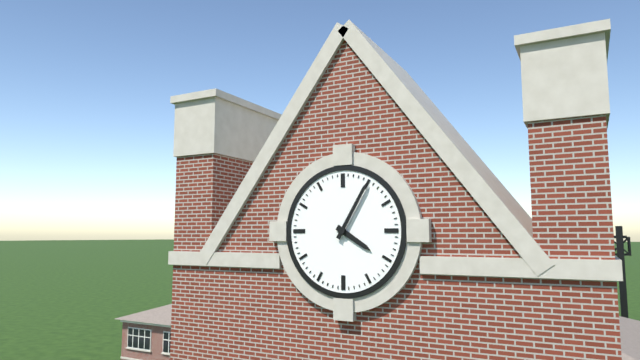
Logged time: 4.05
